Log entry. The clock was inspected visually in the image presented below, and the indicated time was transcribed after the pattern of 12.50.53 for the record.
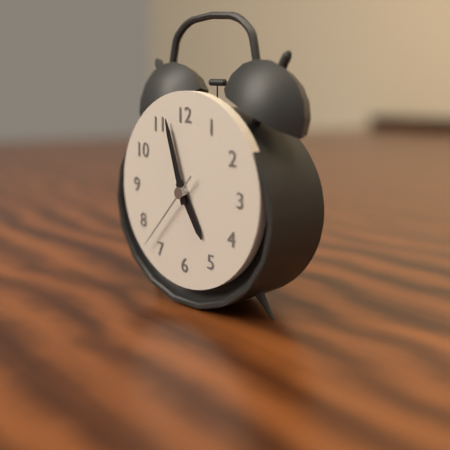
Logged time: 4.57.37
